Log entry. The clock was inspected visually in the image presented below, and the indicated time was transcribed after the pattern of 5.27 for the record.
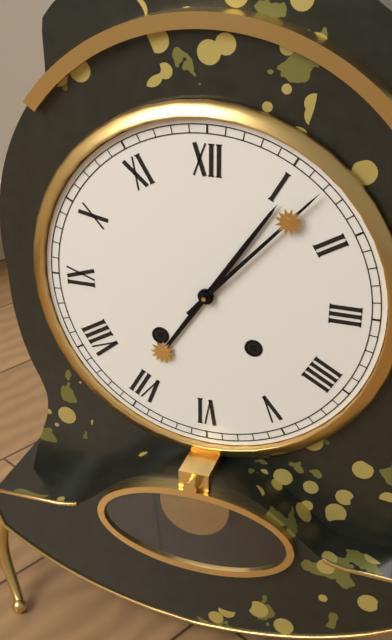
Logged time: 1.07
